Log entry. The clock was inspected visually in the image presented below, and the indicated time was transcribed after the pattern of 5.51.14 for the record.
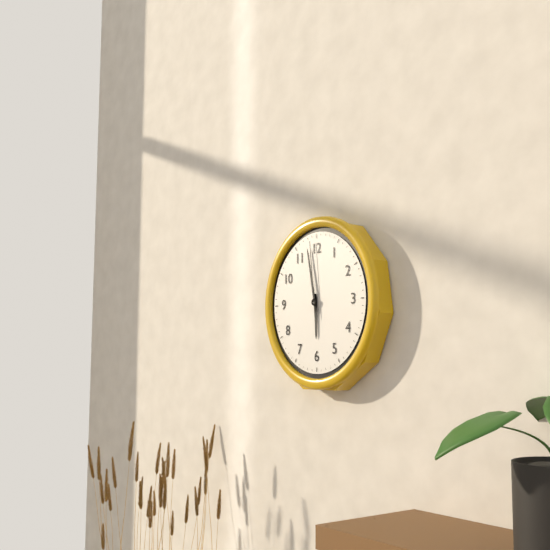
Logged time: 5.58.59
